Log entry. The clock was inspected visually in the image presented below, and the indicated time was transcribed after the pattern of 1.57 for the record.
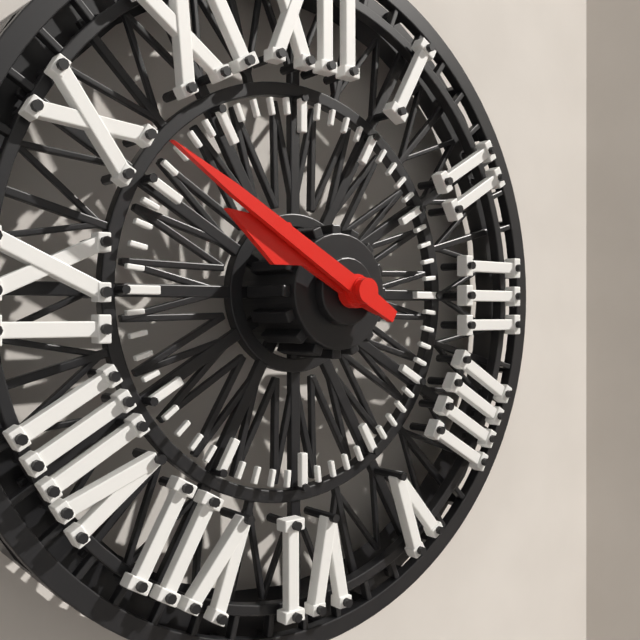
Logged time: 9.50
